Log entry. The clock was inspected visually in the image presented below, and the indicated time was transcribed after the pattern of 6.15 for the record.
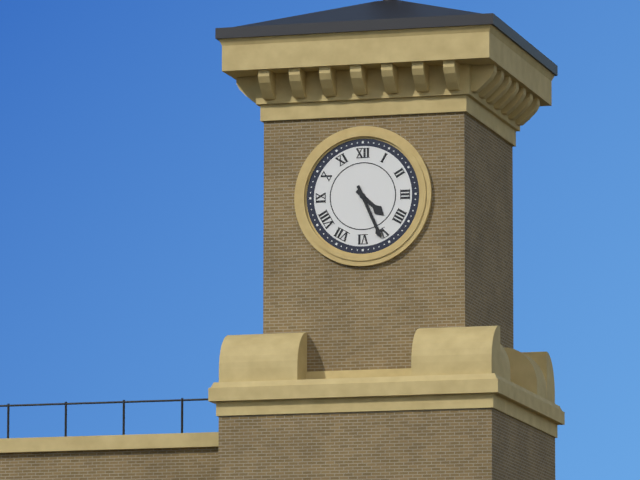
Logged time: 4.26
